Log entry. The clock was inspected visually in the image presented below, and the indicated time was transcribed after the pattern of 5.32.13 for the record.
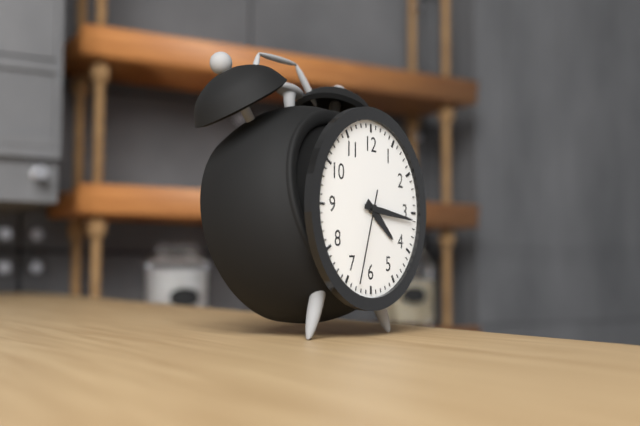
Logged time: 4.16.33
